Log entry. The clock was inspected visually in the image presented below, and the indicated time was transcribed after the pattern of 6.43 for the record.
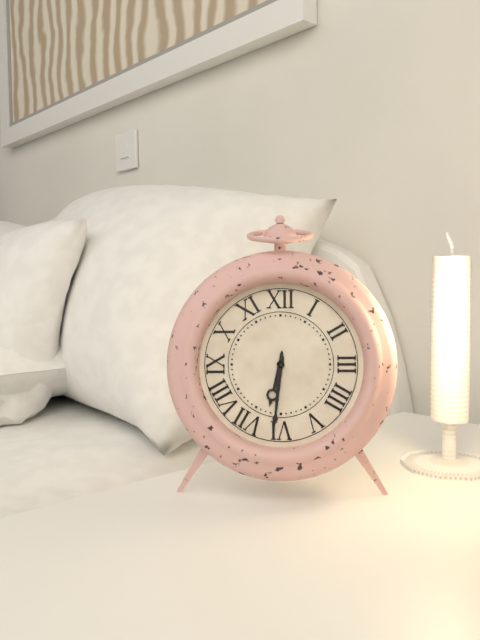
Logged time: 6.31
